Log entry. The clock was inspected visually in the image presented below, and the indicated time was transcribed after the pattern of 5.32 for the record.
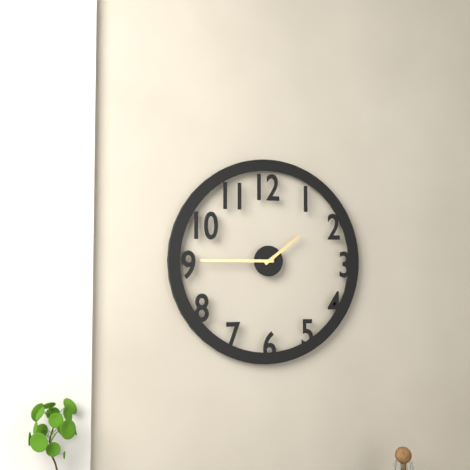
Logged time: 1.45
